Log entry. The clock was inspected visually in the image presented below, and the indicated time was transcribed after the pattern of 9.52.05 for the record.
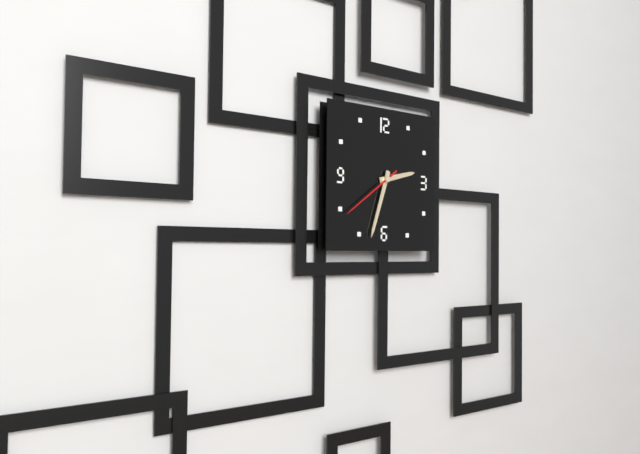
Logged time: 2.33.39
